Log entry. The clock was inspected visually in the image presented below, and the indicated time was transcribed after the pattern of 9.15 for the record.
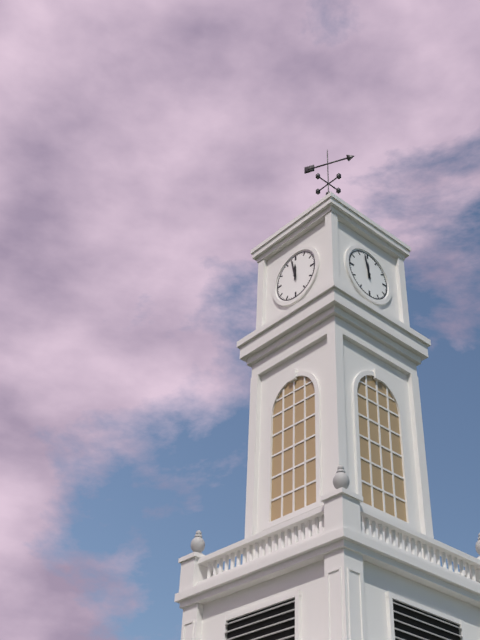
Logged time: 11.58
